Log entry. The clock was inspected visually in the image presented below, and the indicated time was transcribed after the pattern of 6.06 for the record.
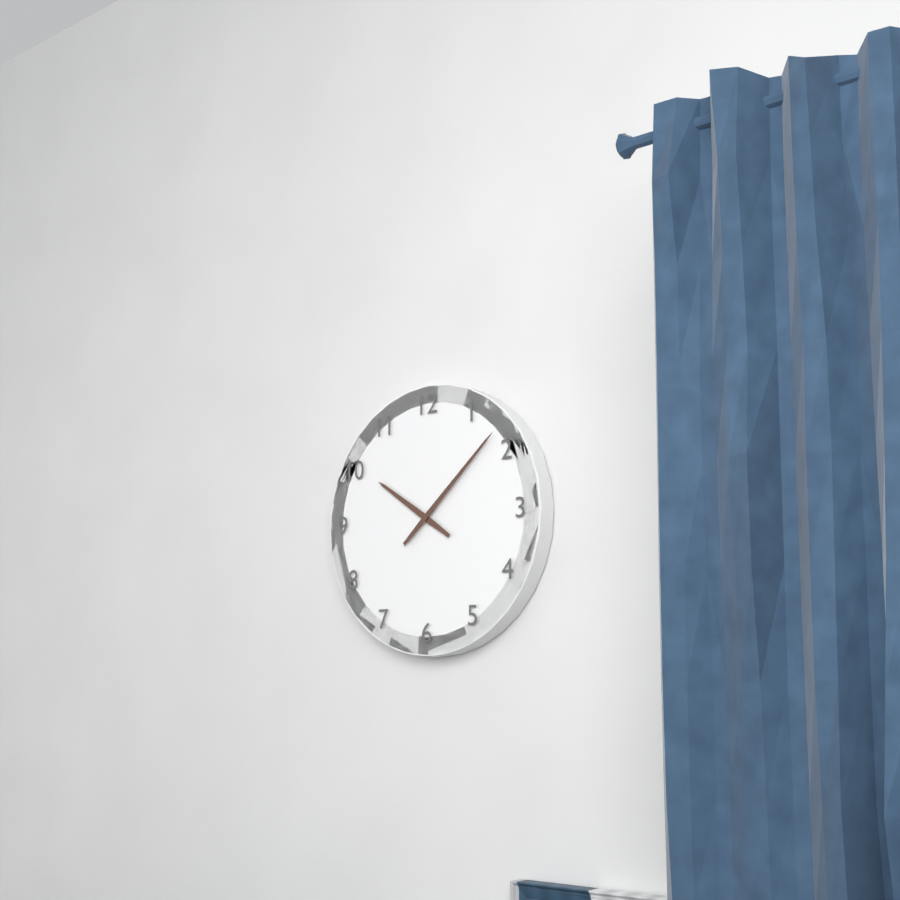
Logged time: 10.08
